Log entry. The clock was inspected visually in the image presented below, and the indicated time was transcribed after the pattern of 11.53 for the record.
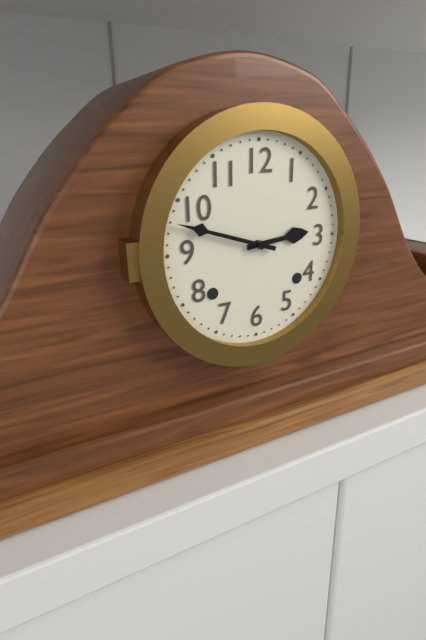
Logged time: 2.48
